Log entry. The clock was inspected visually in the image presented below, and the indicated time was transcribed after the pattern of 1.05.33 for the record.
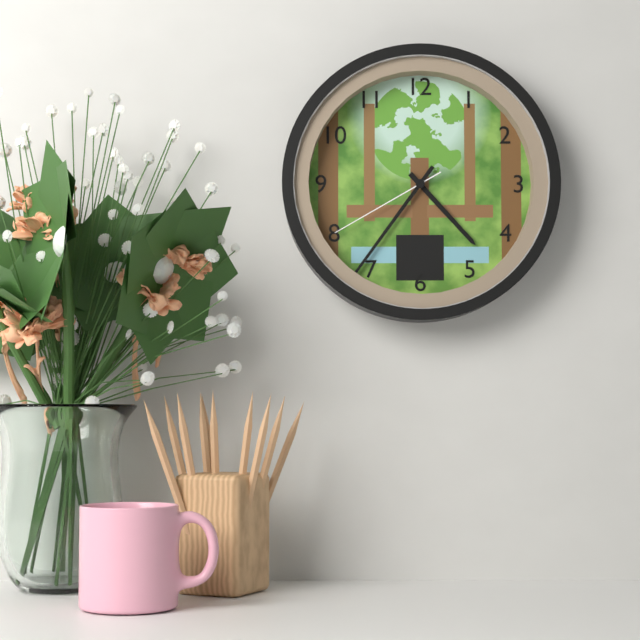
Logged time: 4.36.40
